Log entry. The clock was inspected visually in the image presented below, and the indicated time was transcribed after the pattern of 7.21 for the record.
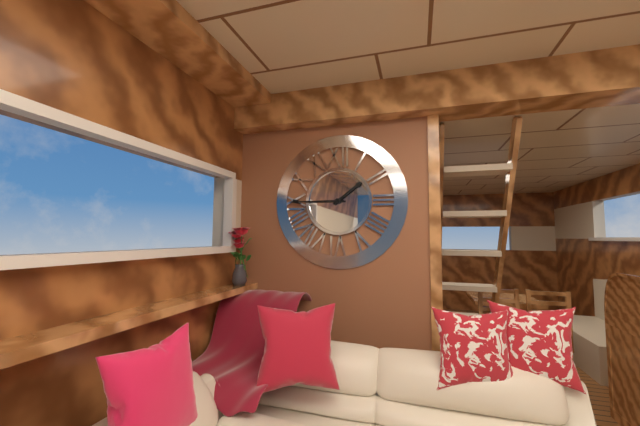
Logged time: 1.45
